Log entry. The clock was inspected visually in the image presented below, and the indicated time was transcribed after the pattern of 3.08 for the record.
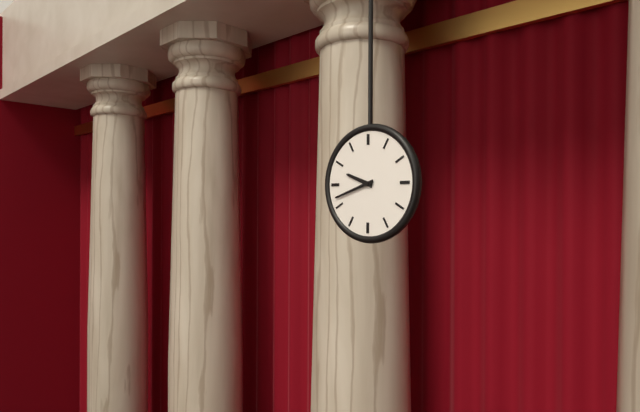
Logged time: 9.42
